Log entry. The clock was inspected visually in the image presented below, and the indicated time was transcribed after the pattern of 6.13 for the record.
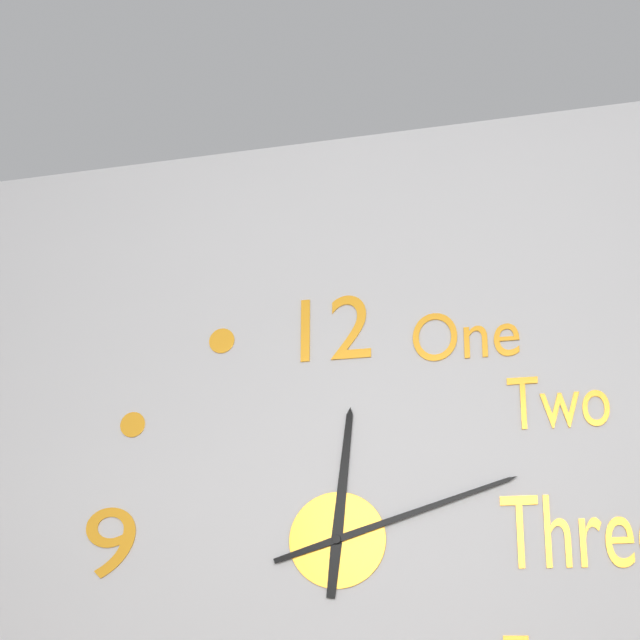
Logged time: 12.12
